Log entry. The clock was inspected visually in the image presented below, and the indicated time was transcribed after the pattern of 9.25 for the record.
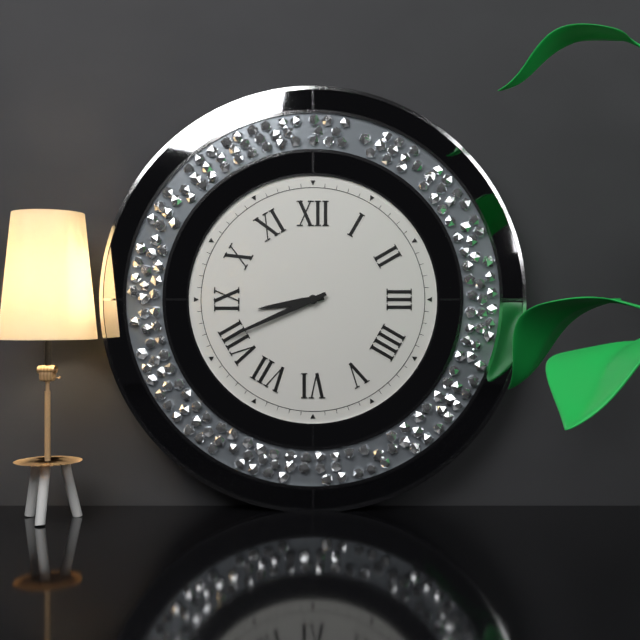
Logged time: 8.41
